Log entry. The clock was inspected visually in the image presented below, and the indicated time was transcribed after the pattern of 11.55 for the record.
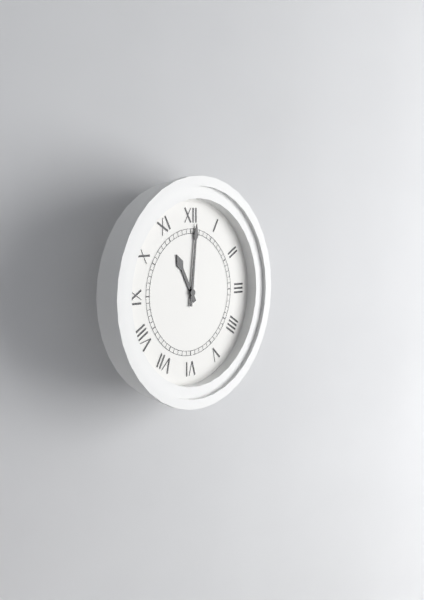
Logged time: 11.01
